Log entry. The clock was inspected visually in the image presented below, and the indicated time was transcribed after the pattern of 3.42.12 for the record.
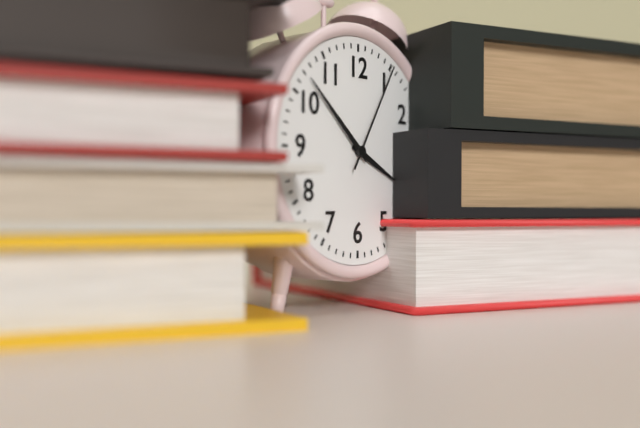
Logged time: 3.52.05
